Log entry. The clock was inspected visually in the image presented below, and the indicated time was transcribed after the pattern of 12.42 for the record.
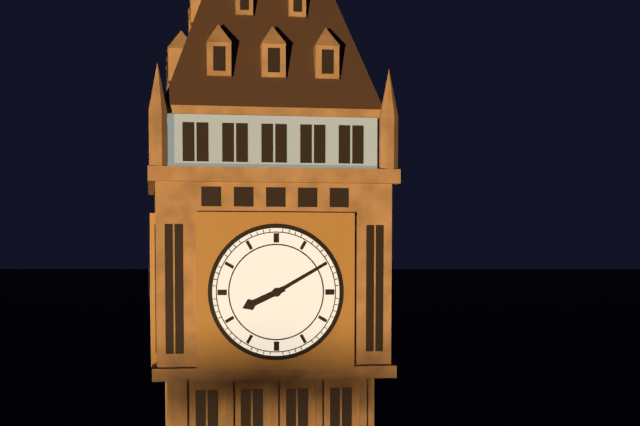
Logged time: 8.10
